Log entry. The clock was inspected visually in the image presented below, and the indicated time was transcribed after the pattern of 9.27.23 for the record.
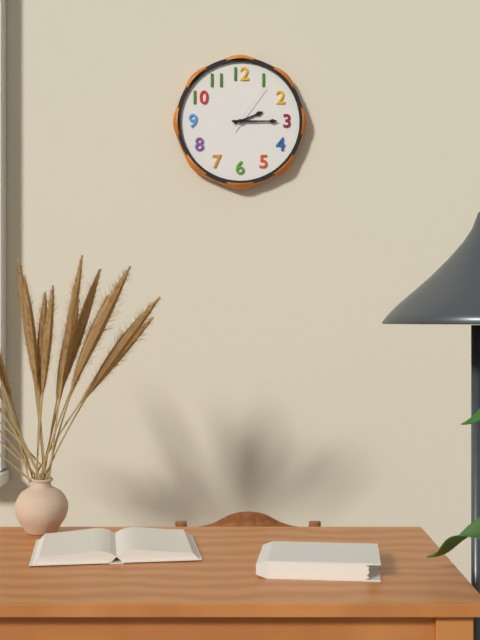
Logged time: 2.15.06
